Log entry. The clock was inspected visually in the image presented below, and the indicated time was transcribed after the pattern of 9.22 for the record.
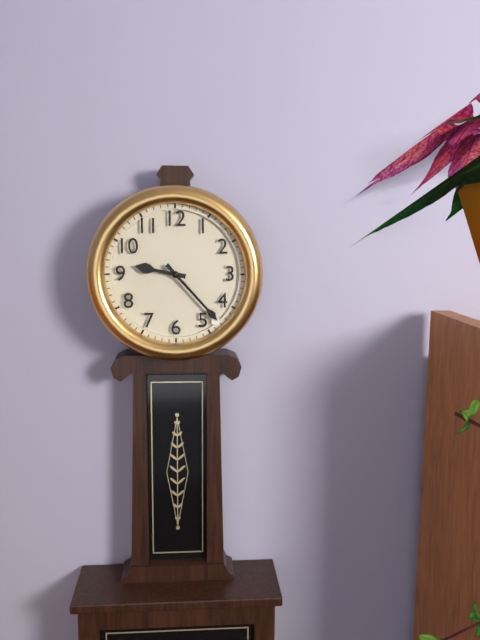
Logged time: 9.23
